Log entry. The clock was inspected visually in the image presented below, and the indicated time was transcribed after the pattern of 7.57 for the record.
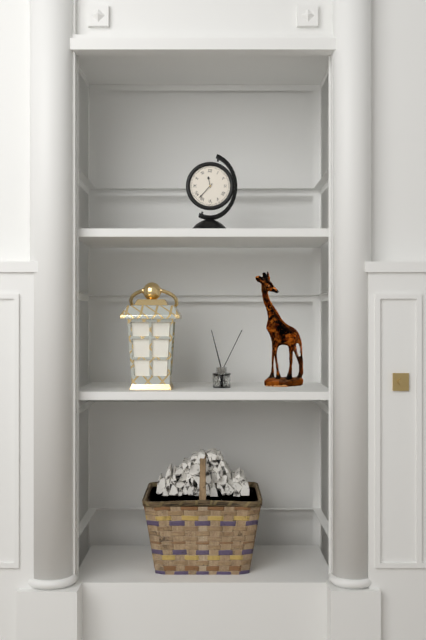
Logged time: 11.37
